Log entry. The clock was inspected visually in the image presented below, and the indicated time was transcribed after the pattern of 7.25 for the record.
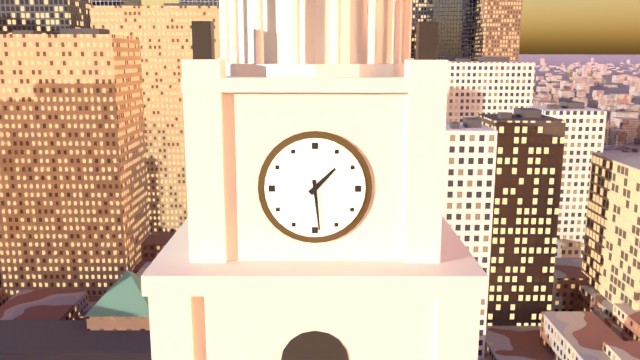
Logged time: 1.29
